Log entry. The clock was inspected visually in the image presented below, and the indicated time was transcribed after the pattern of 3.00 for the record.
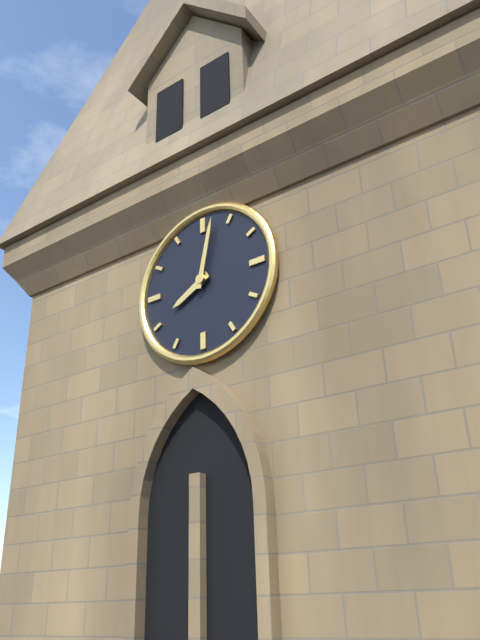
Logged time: 8.02
